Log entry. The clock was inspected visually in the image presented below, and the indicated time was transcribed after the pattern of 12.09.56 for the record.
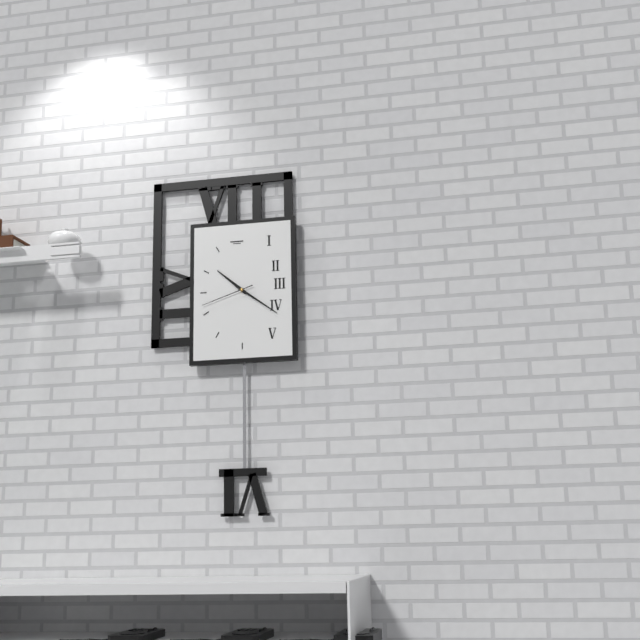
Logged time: 10.21.42
